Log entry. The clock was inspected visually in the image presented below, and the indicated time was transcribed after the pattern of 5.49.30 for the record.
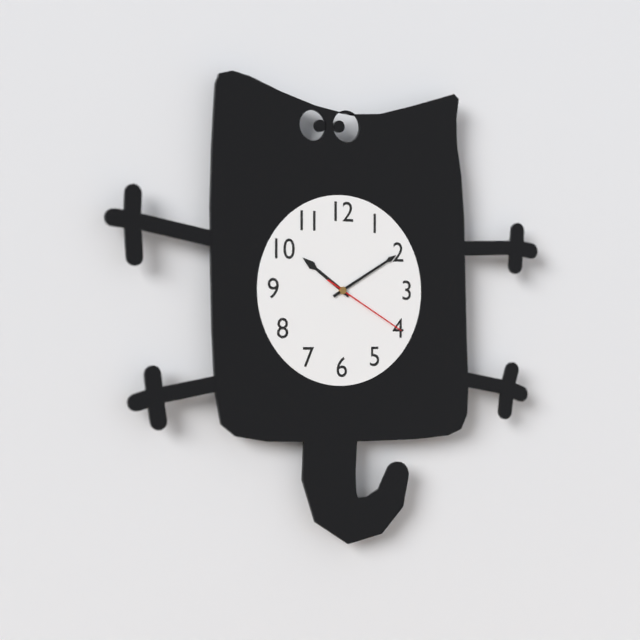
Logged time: 10.10.20
